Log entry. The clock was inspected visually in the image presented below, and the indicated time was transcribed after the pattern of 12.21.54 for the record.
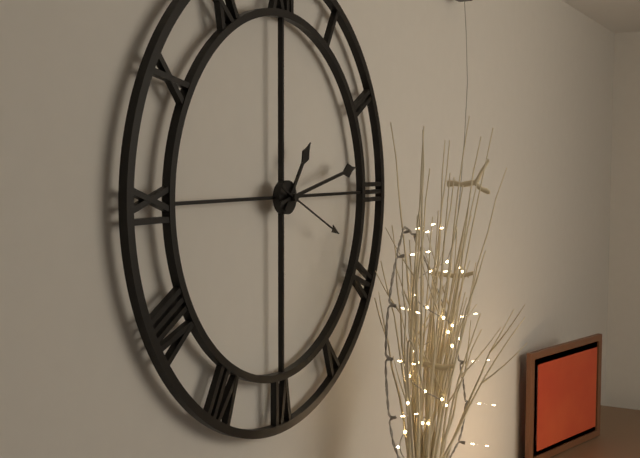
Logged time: 1.13.19
